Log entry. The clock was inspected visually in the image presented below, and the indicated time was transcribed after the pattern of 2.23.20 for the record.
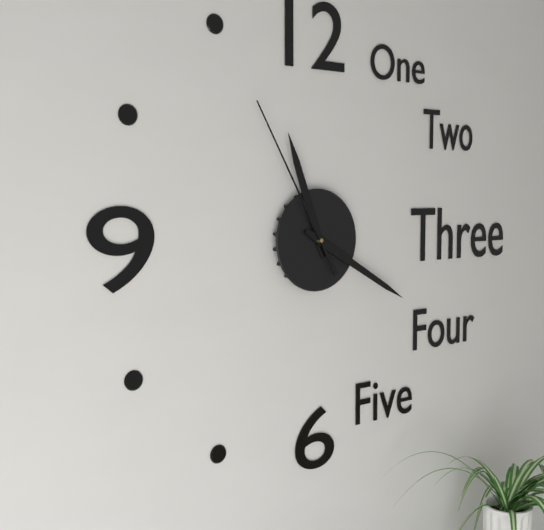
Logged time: 11.20.55
